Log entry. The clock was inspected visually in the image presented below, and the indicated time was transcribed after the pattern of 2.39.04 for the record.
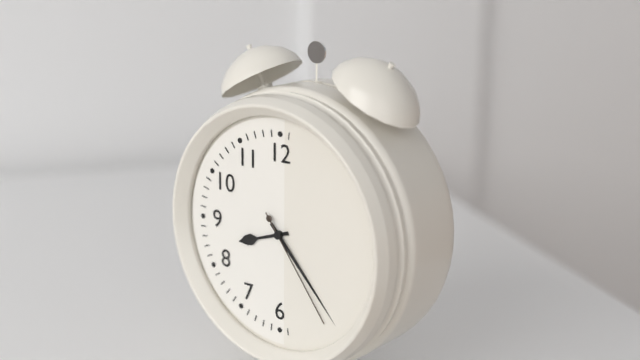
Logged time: 8.23.24
